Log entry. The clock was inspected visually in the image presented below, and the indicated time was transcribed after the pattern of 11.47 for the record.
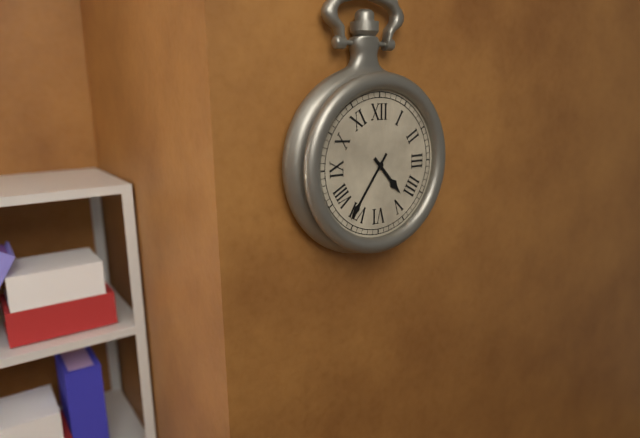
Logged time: 4.36
